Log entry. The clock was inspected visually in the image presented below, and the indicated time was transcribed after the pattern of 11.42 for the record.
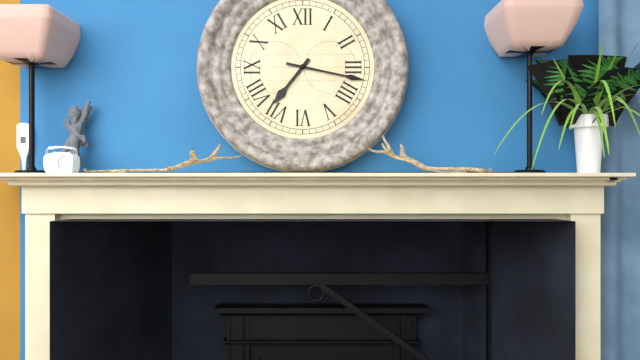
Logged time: 7.17
